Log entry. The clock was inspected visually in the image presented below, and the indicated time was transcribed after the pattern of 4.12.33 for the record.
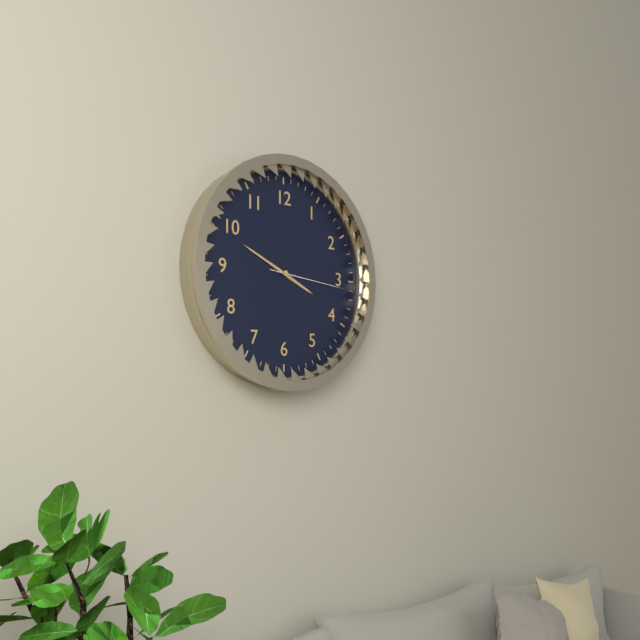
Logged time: 3.49.16
